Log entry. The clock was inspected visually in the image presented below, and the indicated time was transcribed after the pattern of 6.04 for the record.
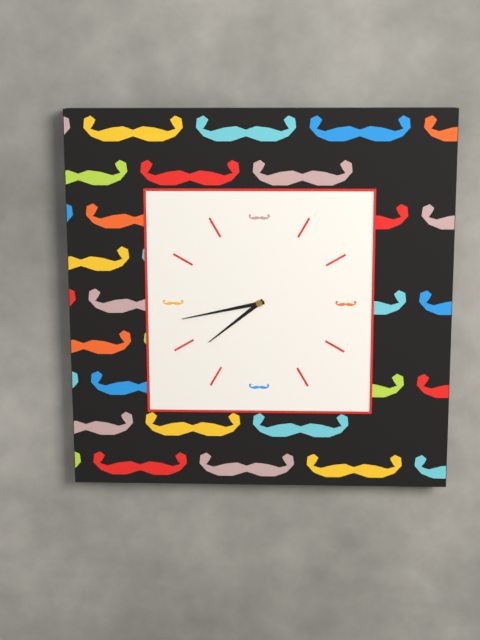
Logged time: 7.43
